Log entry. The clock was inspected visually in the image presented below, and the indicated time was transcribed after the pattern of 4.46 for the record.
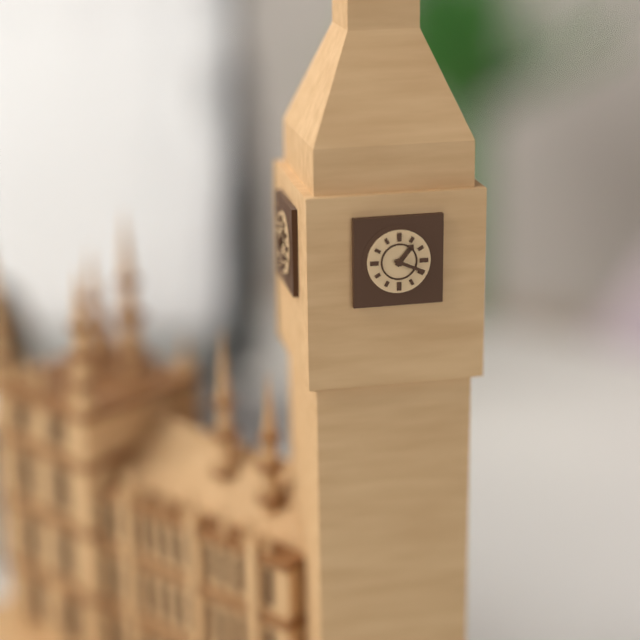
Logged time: 1.19
